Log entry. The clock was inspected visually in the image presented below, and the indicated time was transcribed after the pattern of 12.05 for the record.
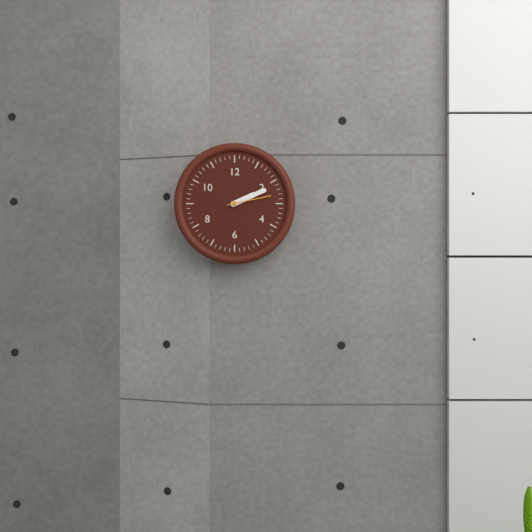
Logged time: 2.11
